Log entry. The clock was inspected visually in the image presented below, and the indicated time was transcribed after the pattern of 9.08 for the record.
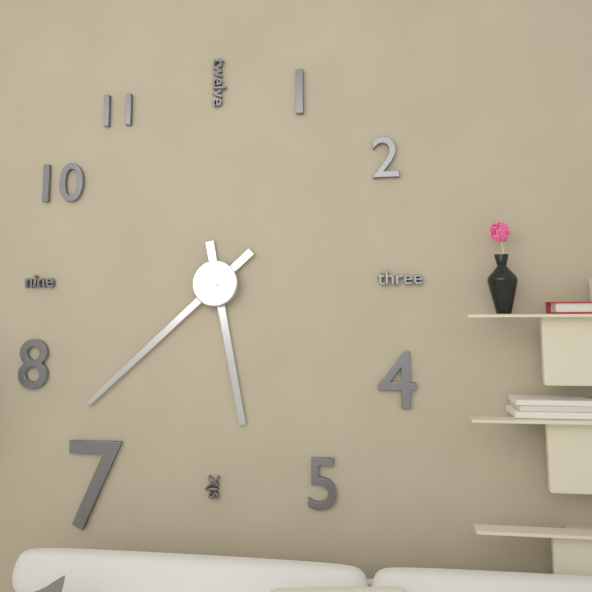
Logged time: 5.38
